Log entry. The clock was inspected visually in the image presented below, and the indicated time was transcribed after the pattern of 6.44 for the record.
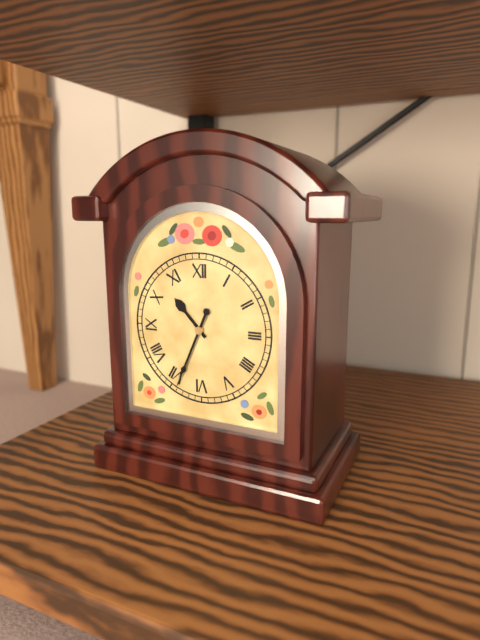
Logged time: 10.34
